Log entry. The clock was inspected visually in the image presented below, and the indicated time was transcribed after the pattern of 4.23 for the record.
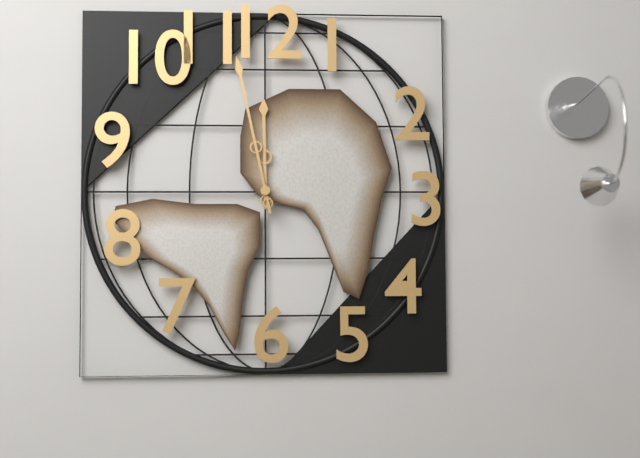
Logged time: 11.58
